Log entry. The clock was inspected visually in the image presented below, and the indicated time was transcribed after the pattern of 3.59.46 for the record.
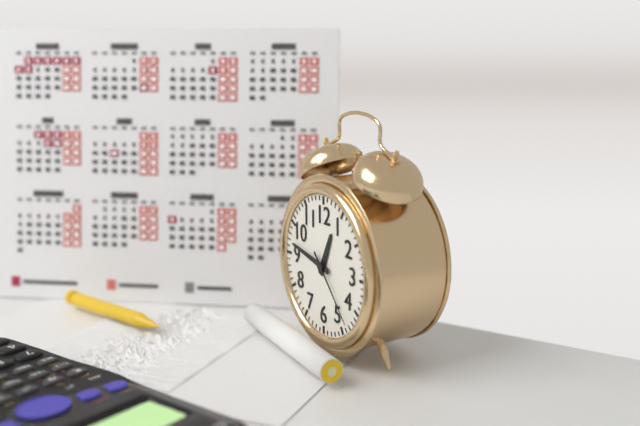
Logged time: 12.47.23
